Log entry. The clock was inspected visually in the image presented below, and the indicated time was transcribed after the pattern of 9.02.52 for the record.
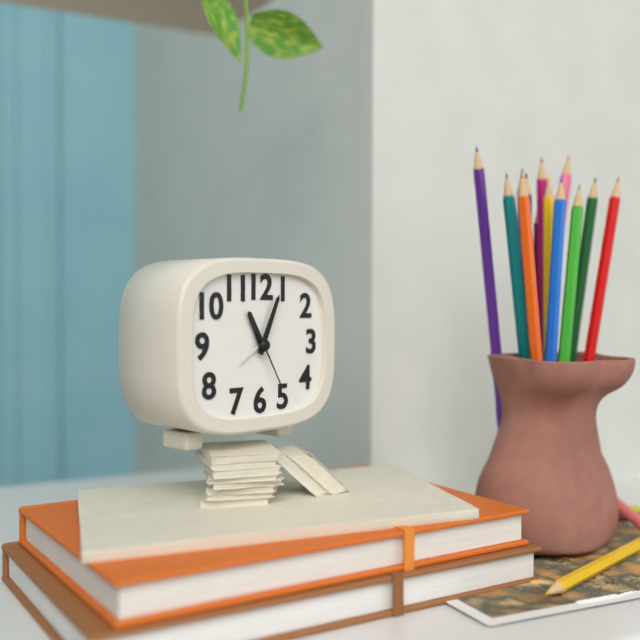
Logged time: 11.04.25
